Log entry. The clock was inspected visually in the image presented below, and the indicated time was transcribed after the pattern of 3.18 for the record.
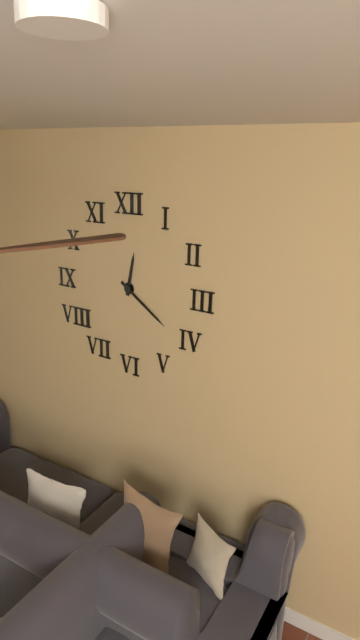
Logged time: 12.21
